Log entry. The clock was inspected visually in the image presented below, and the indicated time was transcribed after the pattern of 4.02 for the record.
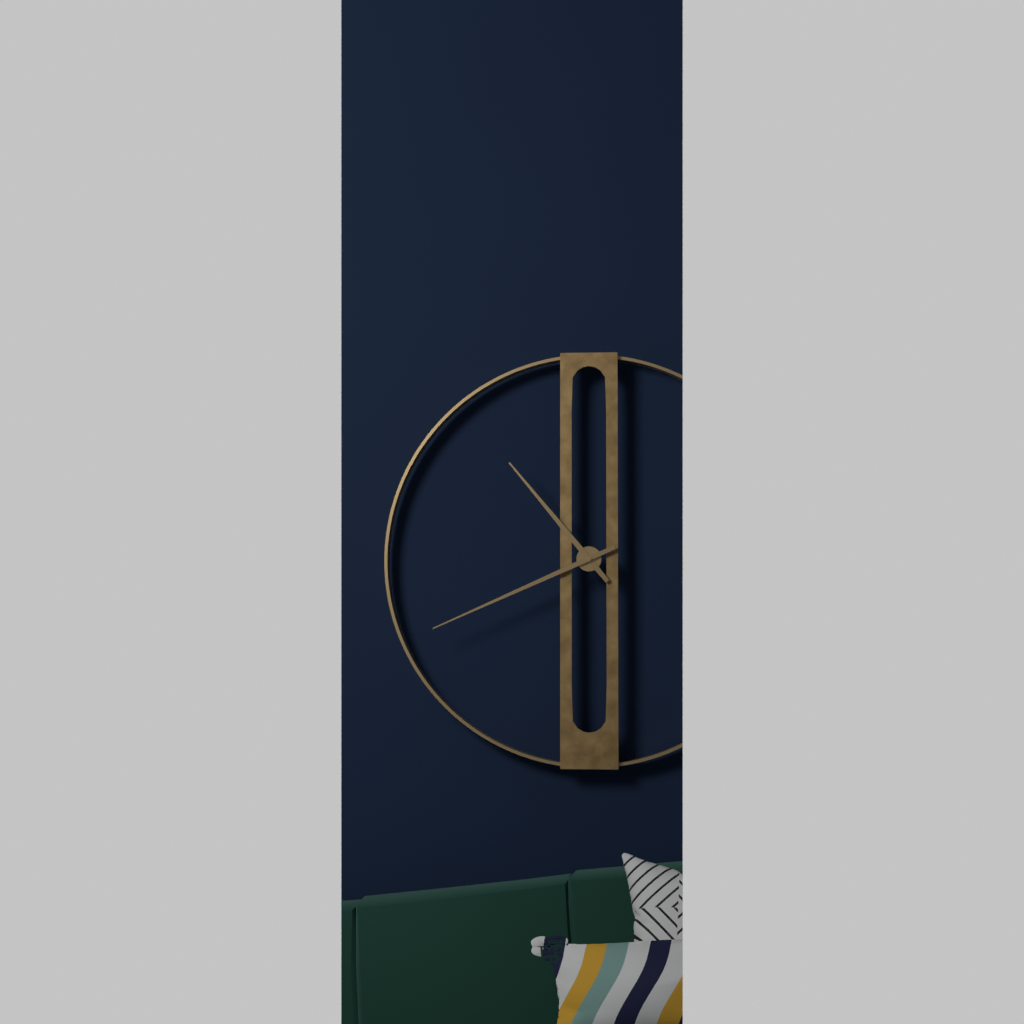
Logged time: 10.41
